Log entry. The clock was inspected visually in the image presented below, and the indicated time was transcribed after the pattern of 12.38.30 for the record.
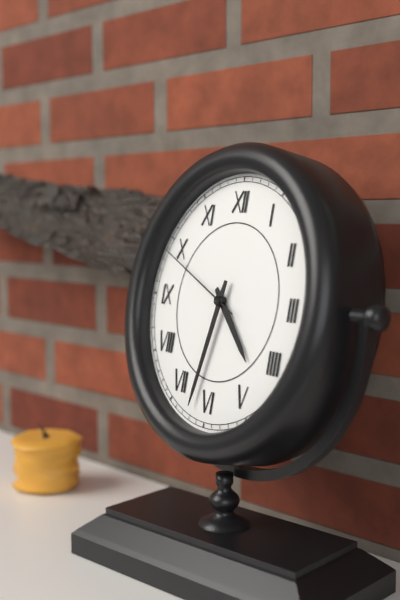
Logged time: 4.32.49
